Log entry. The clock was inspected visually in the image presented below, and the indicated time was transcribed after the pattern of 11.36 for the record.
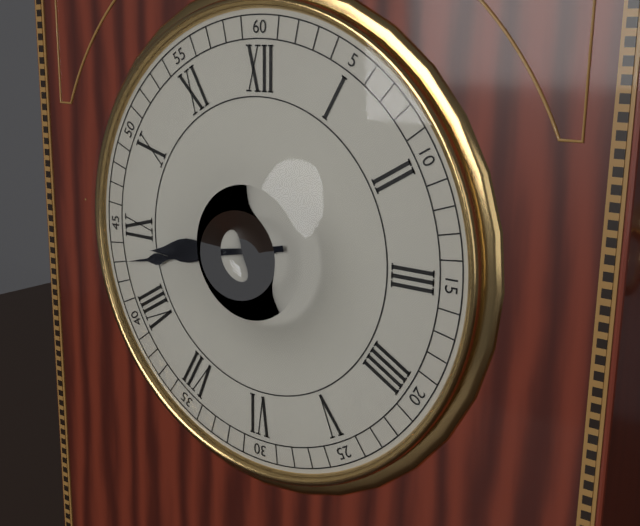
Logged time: 8.43
